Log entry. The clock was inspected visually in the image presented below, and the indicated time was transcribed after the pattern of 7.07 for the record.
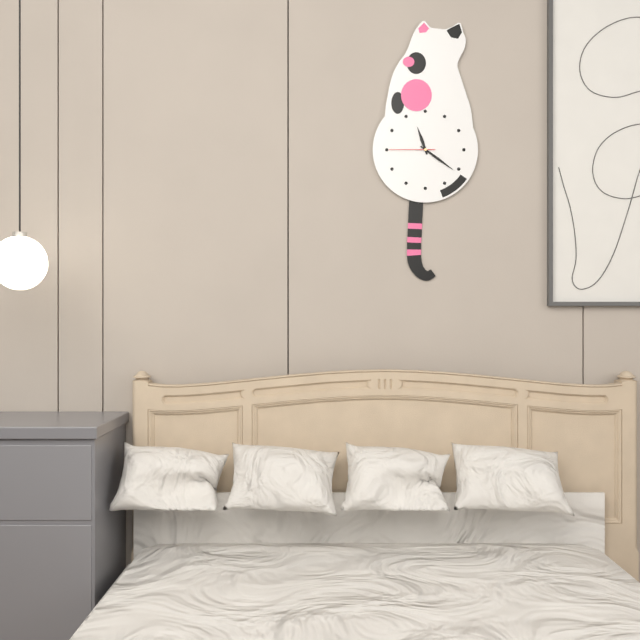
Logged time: 11.21
